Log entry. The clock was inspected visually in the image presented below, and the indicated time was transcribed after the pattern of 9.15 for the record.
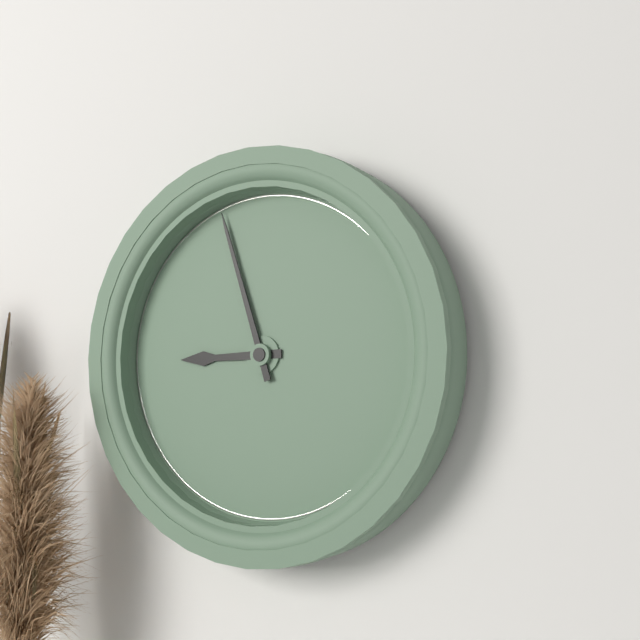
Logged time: 8.57
